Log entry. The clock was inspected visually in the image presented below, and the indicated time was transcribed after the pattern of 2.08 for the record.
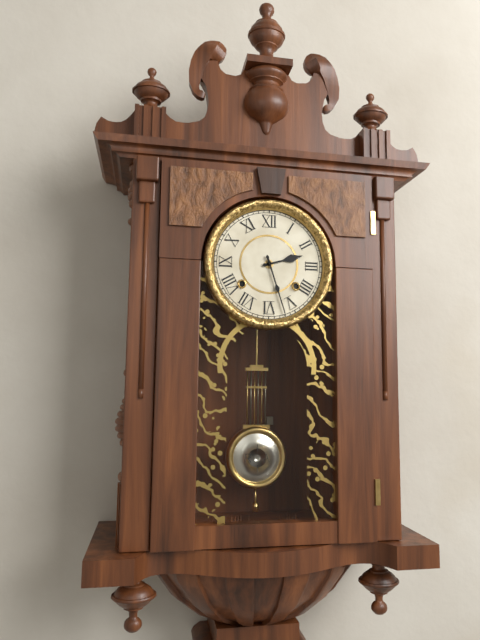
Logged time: 2.27
